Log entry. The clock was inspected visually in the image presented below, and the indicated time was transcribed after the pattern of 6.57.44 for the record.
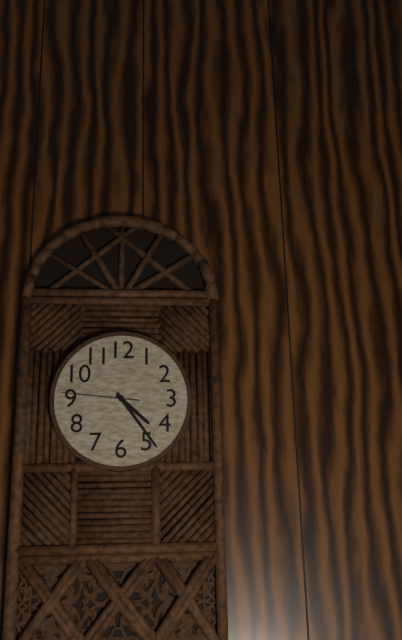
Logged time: 4.24.46
